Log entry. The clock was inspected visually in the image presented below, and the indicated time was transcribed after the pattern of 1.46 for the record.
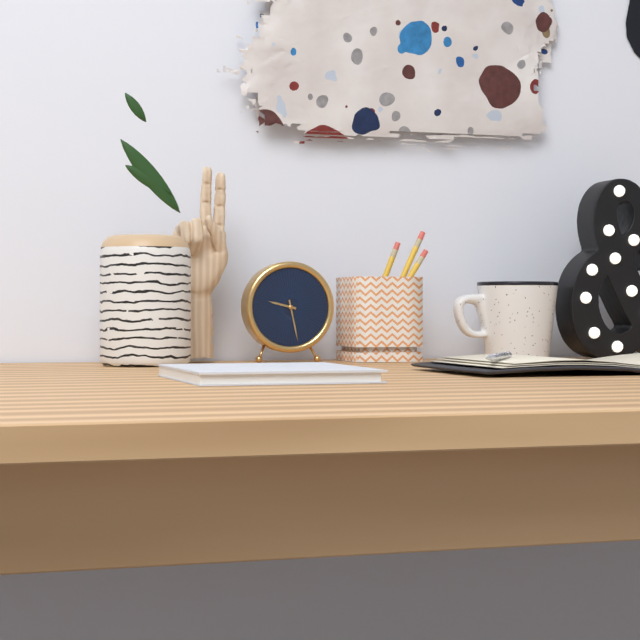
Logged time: 9.28
